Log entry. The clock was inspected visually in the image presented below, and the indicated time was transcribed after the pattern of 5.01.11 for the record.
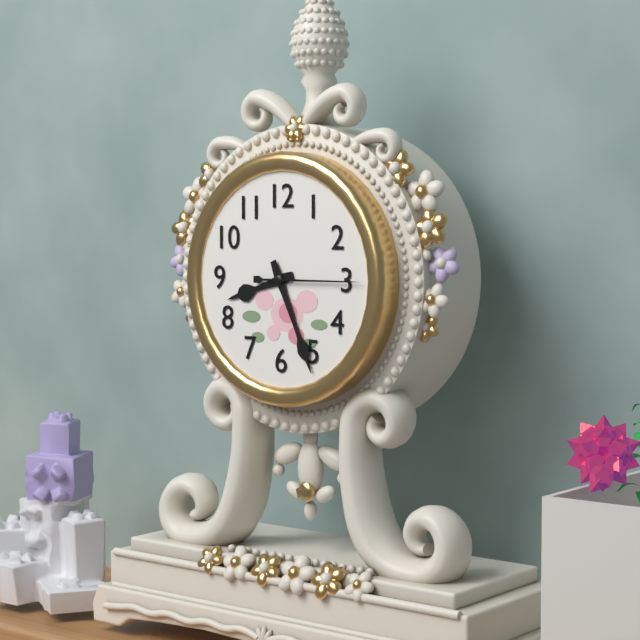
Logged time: 8.26.15
